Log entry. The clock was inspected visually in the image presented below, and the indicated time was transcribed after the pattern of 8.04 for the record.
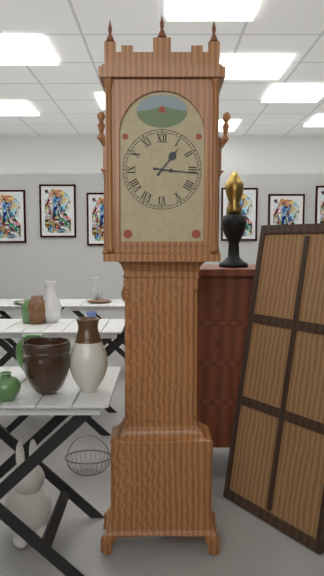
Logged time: 1.16
